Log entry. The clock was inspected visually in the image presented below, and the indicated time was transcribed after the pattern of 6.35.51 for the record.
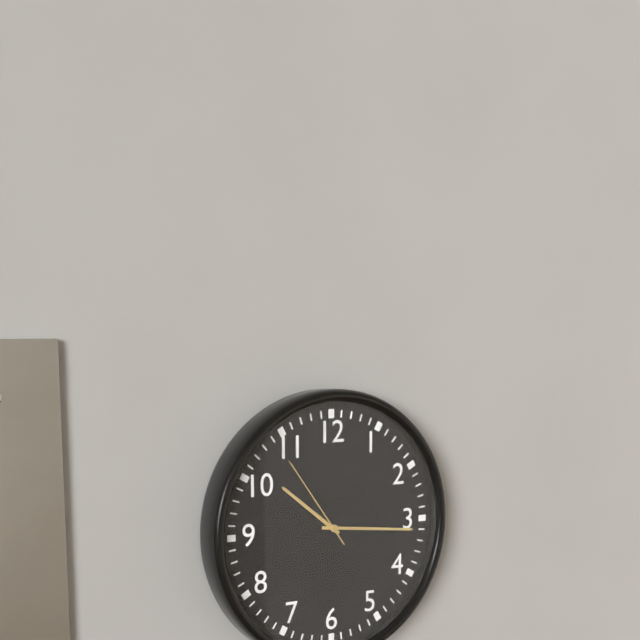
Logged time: 10.16.54
